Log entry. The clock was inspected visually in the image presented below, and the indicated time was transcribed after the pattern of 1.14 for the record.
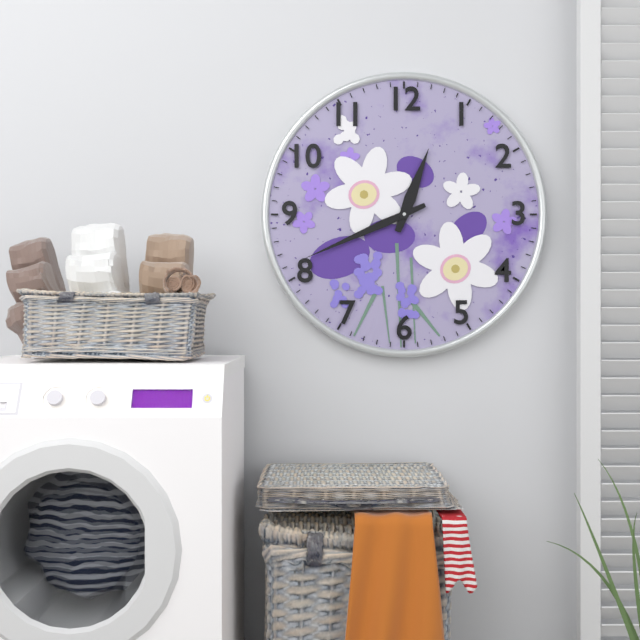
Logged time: 12.41
